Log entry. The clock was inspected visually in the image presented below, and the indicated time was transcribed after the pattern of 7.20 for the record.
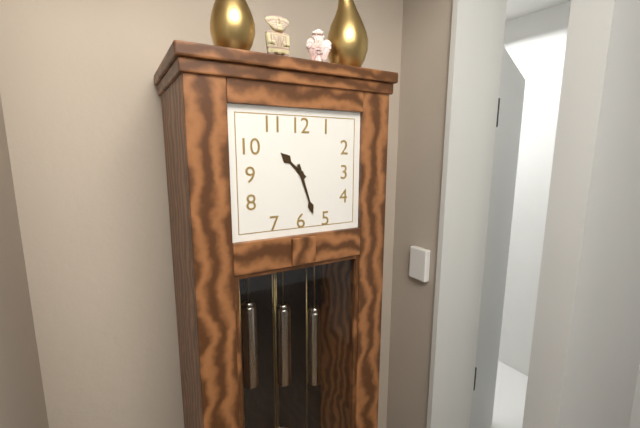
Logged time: 10.27
